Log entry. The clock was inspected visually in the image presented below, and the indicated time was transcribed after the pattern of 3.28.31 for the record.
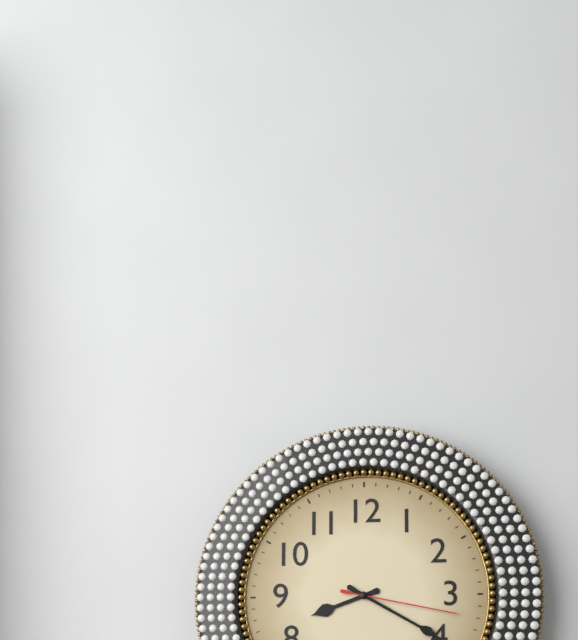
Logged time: 8.20.17
